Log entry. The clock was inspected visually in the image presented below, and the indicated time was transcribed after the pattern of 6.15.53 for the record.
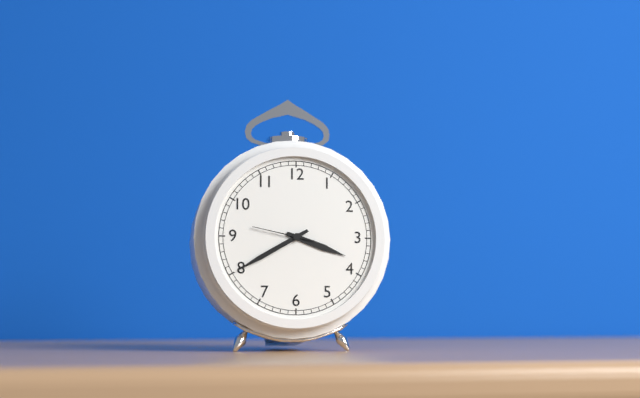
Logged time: 3.40.47
